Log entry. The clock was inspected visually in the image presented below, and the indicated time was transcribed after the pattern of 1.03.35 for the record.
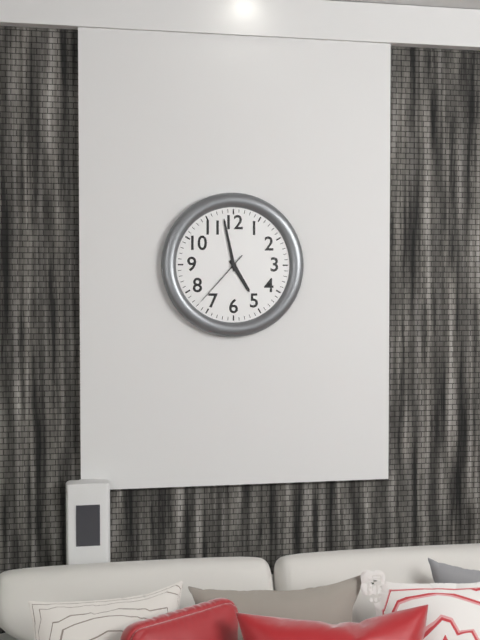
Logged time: 4.58.37
